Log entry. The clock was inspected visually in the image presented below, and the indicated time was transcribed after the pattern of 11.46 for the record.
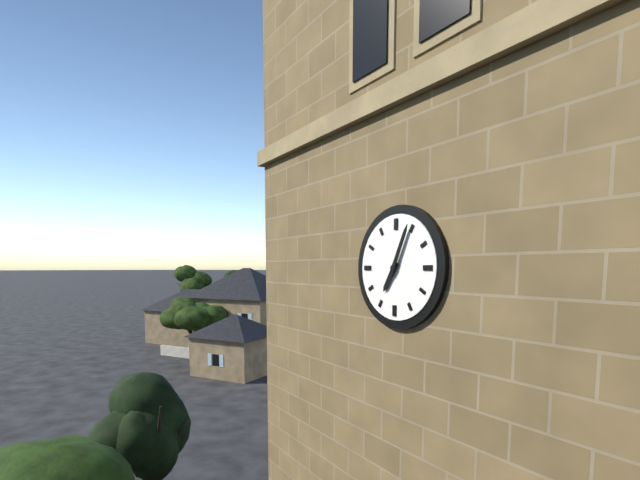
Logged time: 7.04
